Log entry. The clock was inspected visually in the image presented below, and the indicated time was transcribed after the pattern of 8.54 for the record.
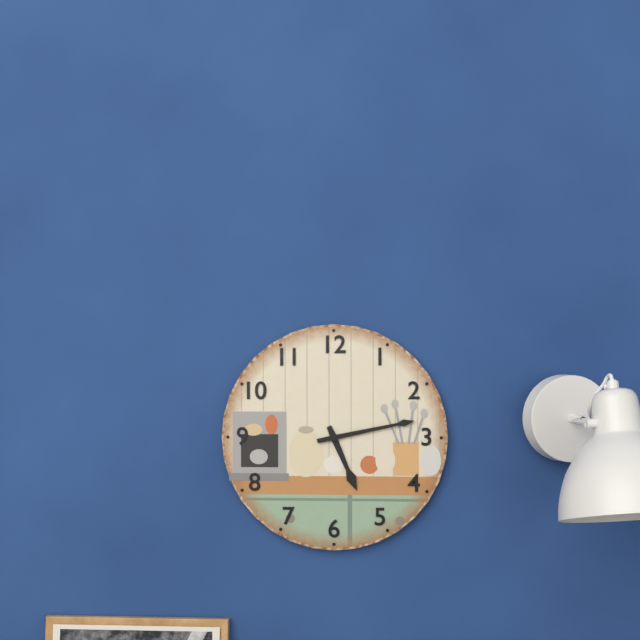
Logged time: 5.13
